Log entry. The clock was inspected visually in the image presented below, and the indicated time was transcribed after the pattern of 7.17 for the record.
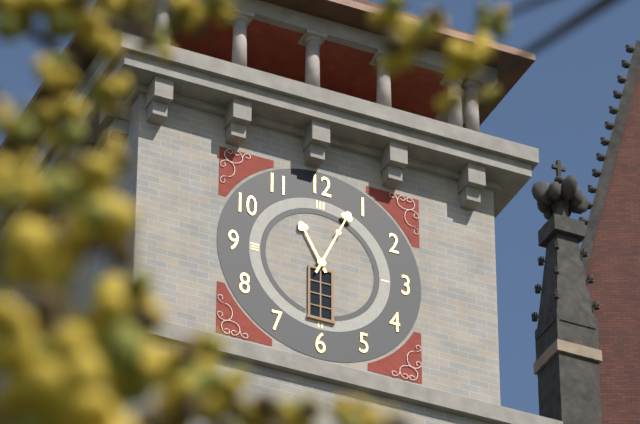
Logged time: 11.04
